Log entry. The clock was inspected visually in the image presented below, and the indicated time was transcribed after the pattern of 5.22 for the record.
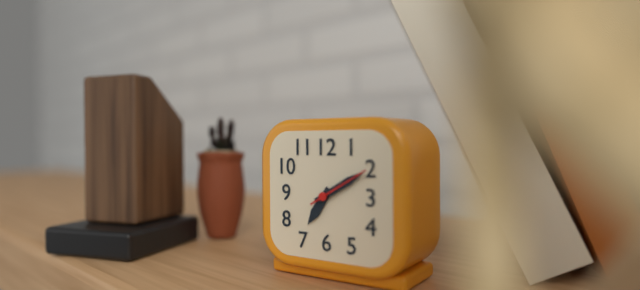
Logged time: 7.10
